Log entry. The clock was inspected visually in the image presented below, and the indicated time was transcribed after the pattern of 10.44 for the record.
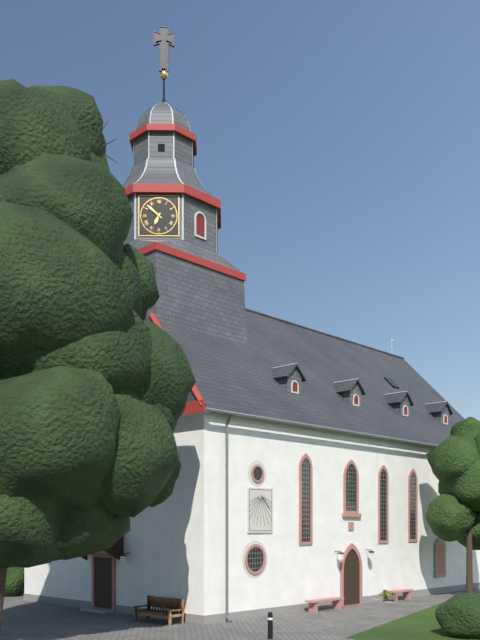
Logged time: 6.52
